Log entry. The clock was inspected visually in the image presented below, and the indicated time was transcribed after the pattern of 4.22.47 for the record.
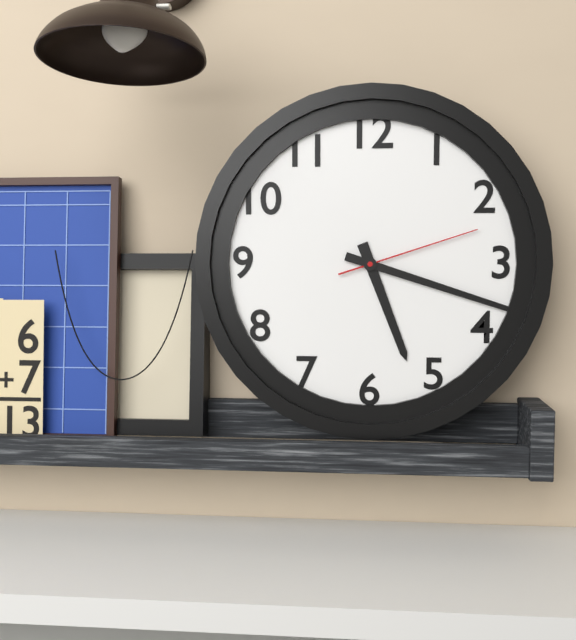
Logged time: 5.18.12
